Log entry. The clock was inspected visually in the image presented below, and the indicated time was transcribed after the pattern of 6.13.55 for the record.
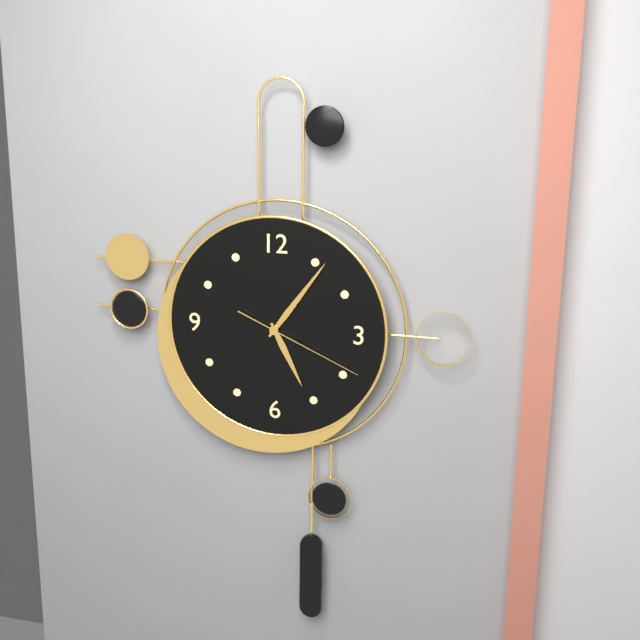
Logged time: 5.06.19
